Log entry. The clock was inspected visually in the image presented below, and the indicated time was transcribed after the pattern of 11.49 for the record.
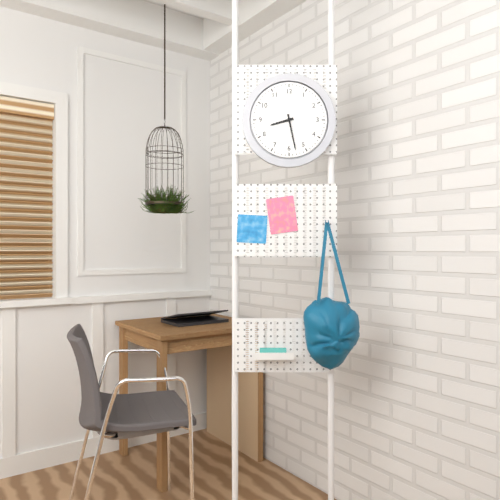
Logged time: 8.28
